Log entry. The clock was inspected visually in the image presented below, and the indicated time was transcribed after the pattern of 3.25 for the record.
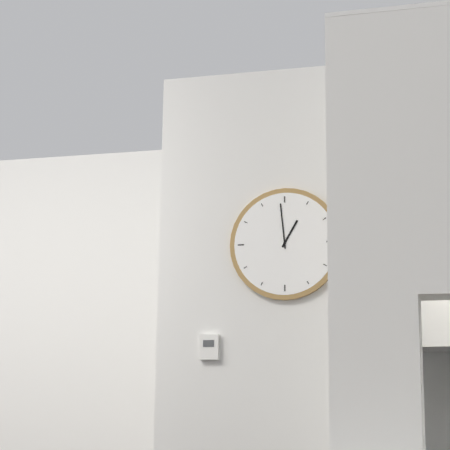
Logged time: 12.59
